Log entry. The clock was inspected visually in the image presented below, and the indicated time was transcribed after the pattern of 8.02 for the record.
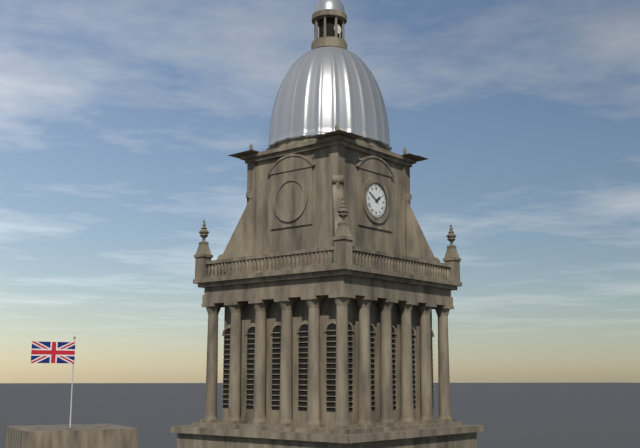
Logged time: 1.50
